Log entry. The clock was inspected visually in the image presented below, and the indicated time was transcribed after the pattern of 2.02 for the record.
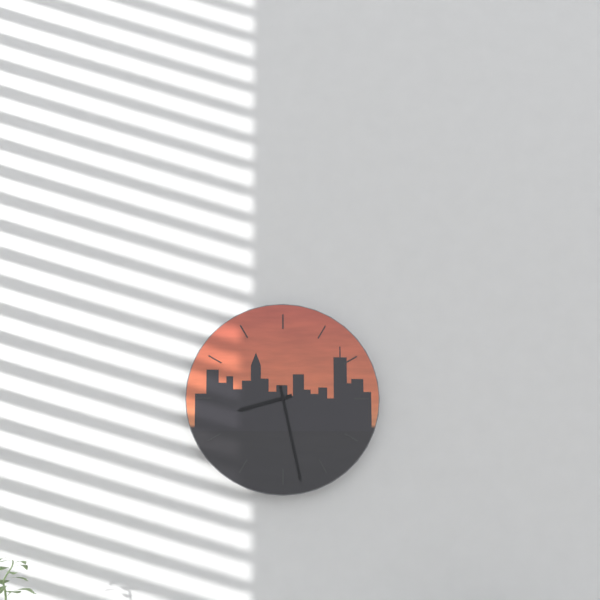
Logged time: 8.28
